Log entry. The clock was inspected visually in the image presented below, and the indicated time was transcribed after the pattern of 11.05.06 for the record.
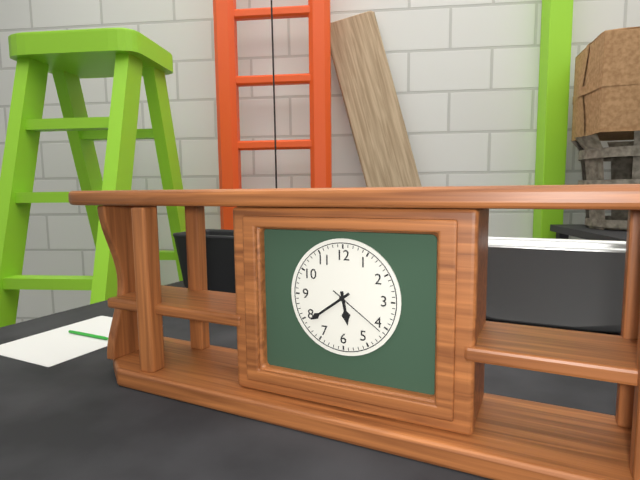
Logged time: 5.39.21
